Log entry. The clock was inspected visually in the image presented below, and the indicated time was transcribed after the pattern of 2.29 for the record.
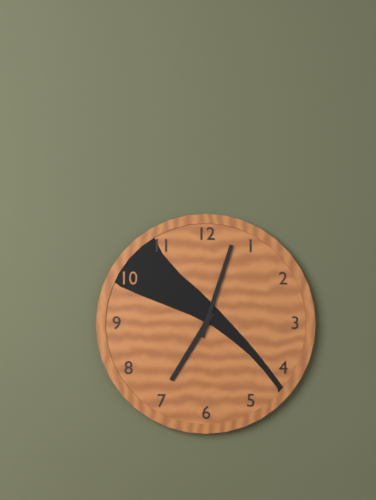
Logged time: 7.03
